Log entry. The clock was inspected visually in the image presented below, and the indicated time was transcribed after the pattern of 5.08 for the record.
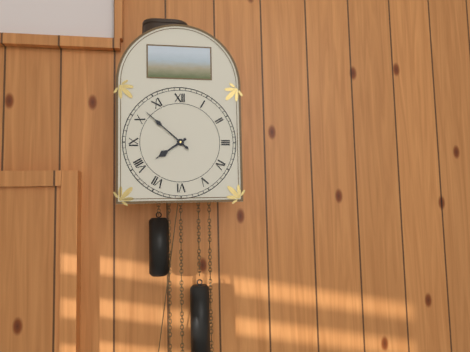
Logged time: 7.52
